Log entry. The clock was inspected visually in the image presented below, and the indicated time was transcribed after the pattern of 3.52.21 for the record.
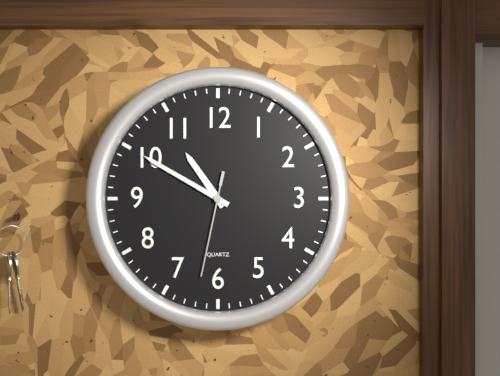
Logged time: 10.50.32
